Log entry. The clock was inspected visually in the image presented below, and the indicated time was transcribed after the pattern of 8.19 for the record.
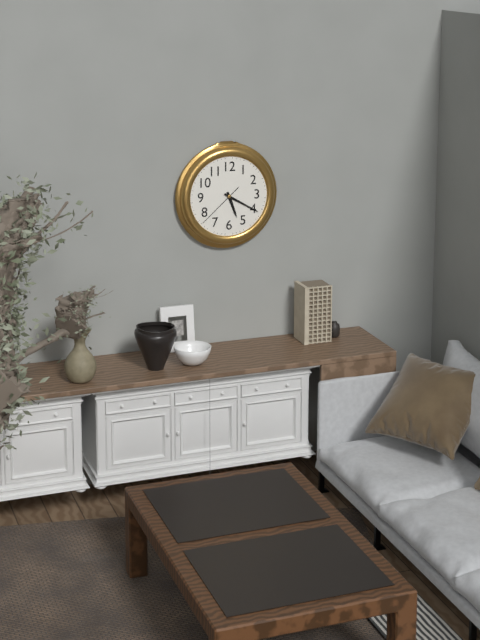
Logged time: 5.20
